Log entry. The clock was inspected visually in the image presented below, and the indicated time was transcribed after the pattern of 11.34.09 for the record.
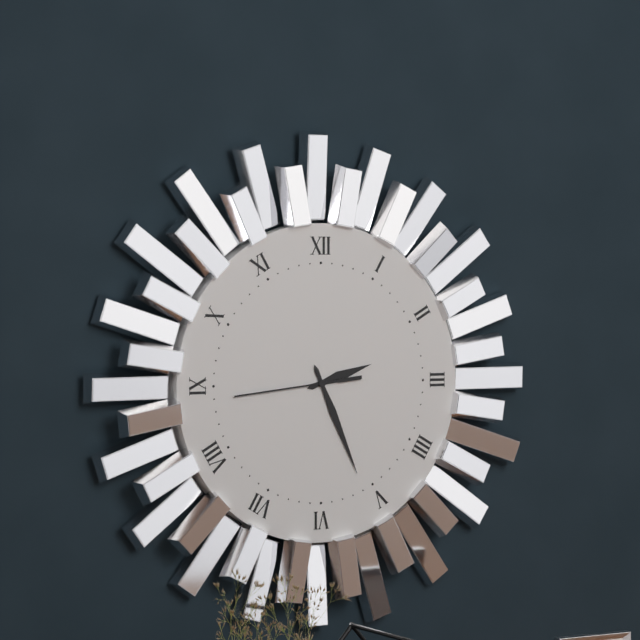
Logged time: 2.26.44
